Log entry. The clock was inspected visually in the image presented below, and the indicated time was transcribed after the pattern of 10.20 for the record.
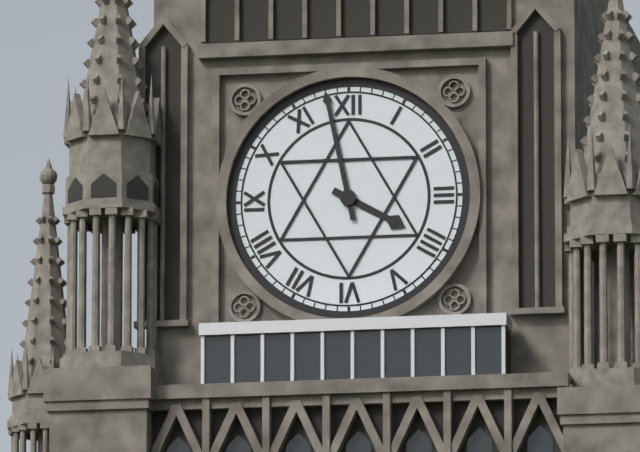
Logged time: 3.58
